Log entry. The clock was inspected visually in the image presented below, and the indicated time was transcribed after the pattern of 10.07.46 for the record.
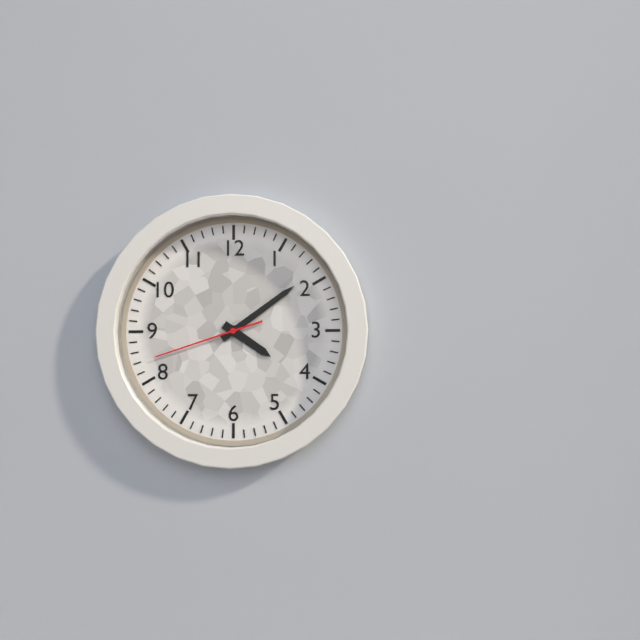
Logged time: 4.09.42
